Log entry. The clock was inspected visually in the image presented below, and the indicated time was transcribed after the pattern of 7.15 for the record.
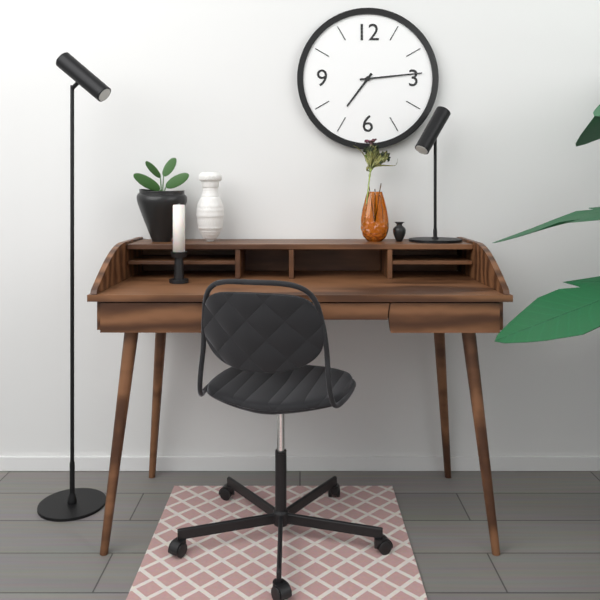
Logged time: 7.14
